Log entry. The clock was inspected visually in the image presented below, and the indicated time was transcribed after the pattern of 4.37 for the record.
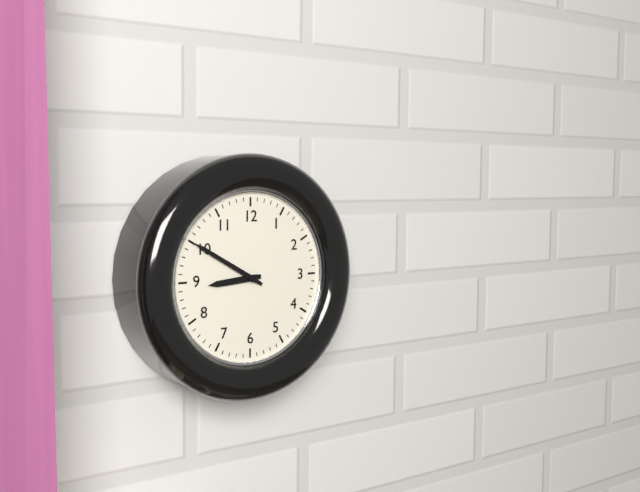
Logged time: 8.50
